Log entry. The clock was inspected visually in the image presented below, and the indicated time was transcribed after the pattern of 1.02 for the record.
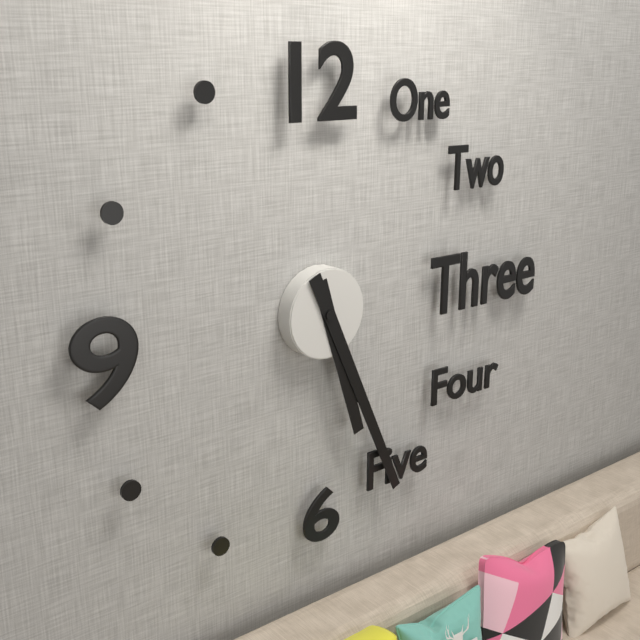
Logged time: 5.26
